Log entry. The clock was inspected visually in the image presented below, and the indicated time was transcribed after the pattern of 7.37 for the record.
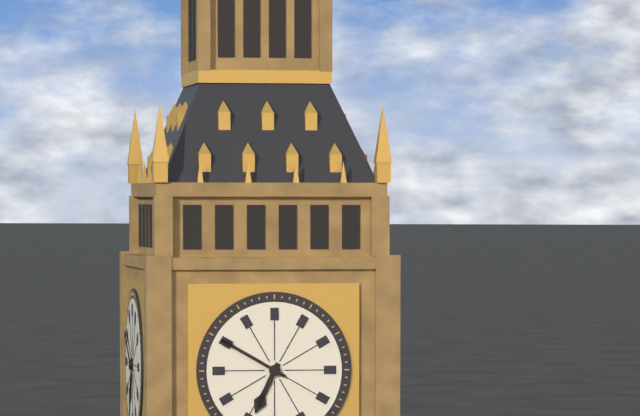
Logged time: 6.50
